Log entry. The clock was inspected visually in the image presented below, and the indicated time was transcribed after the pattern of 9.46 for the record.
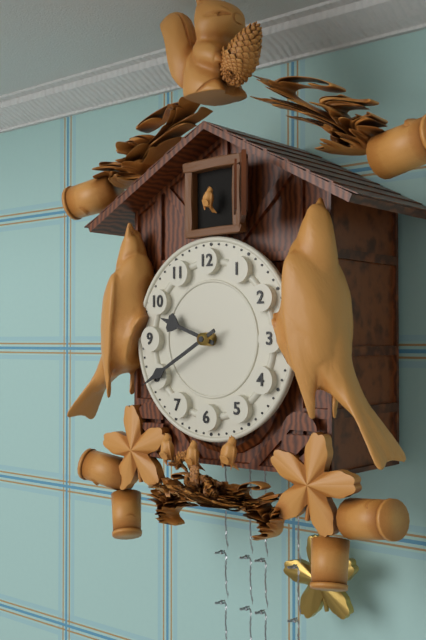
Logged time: 9.40
